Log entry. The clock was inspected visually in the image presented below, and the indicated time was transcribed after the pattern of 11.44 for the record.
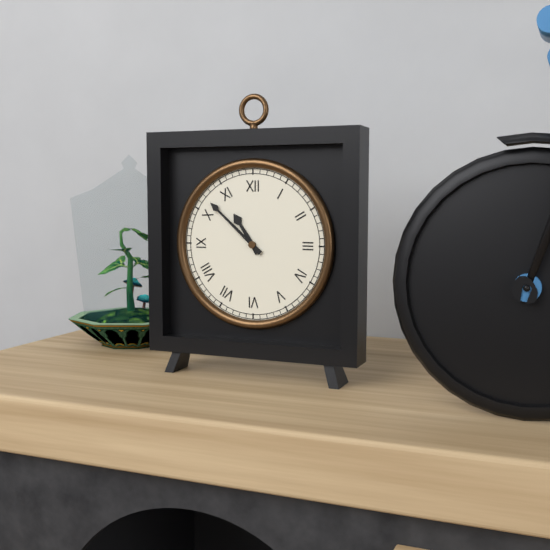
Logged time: 10.52
